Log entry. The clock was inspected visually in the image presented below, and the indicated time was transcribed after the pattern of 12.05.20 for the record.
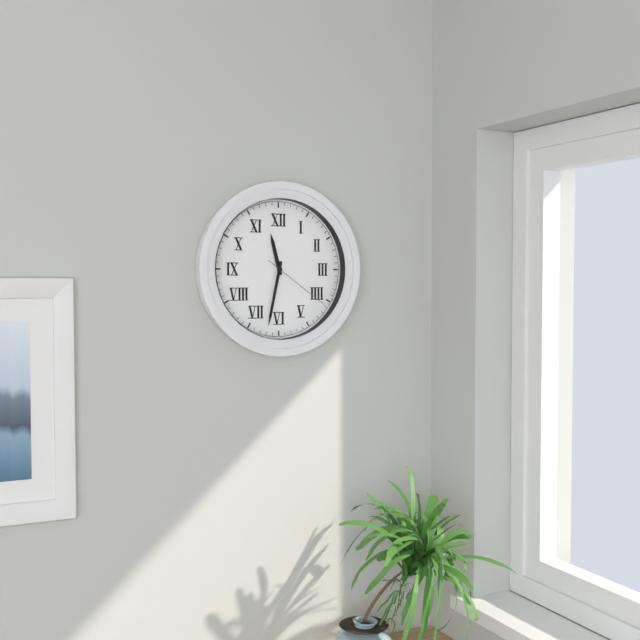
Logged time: 11.32.21
